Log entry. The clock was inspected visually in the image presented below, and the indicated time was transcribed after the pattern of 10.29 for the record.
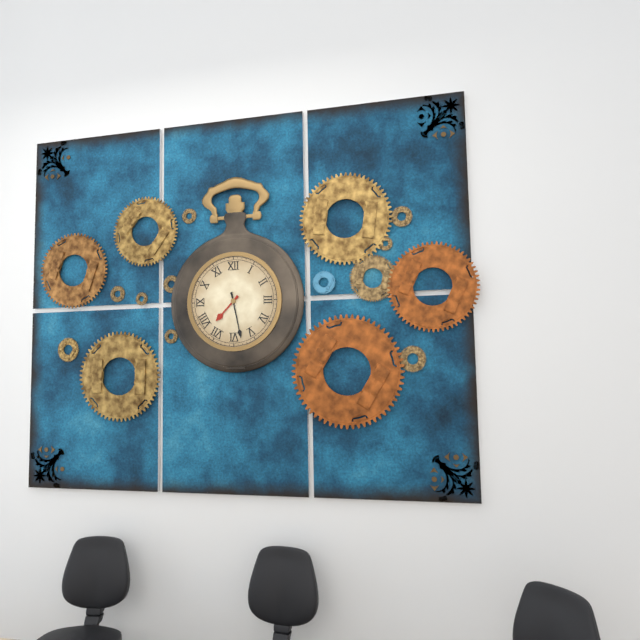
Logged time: 7.28
